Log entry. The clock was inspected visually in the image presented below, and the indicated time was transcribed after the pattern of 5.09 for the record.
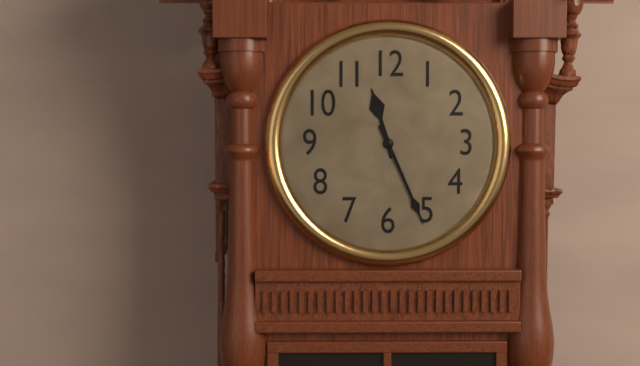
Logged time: 11.26
